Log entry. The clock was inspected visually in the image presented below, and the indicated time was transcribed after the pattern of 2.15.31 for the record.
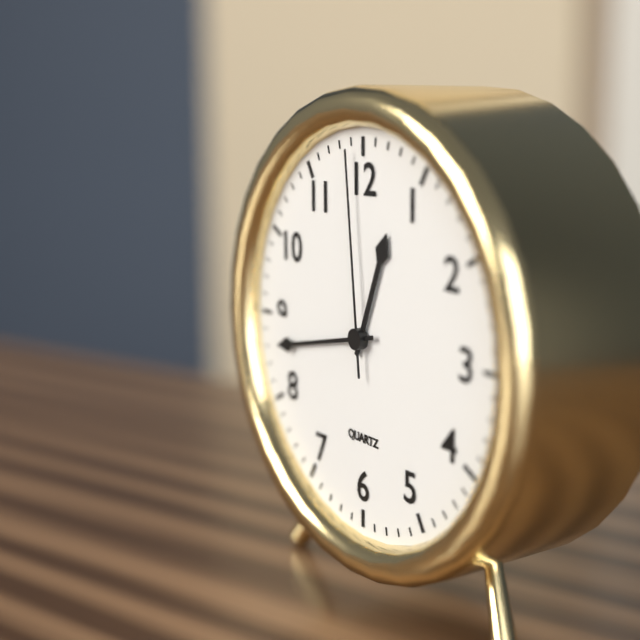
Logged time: 12.43.59
